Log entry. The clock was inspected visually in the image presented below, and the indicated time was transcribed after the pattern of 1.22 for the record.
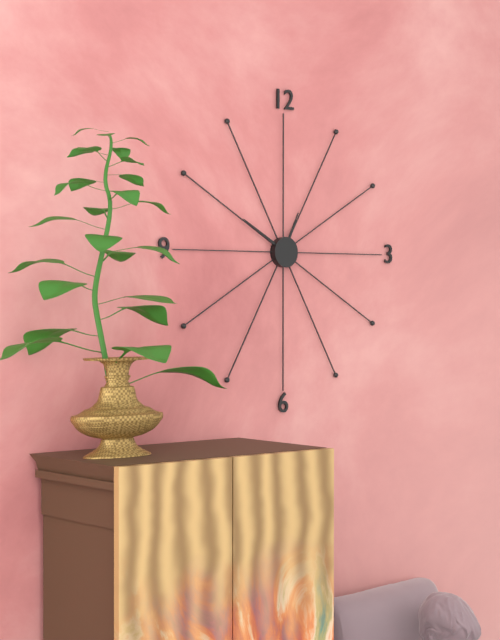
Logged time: 12.50
